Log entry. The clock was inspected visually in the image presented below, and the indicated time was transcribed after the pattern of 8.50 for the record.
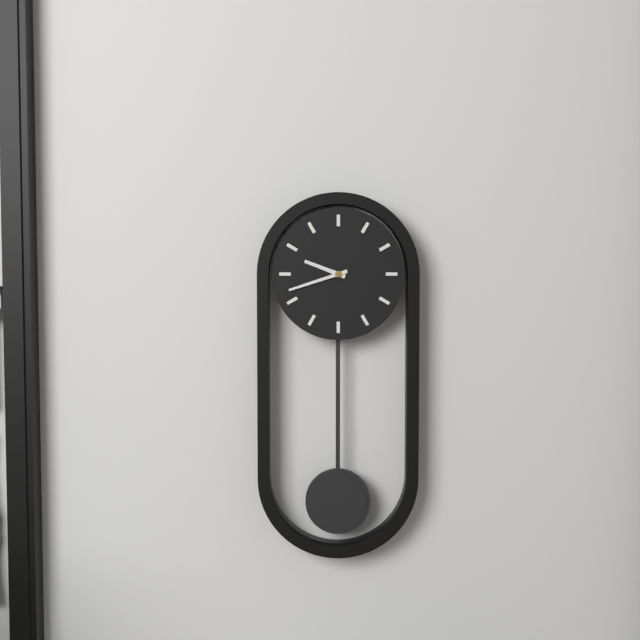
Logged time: 9.42
